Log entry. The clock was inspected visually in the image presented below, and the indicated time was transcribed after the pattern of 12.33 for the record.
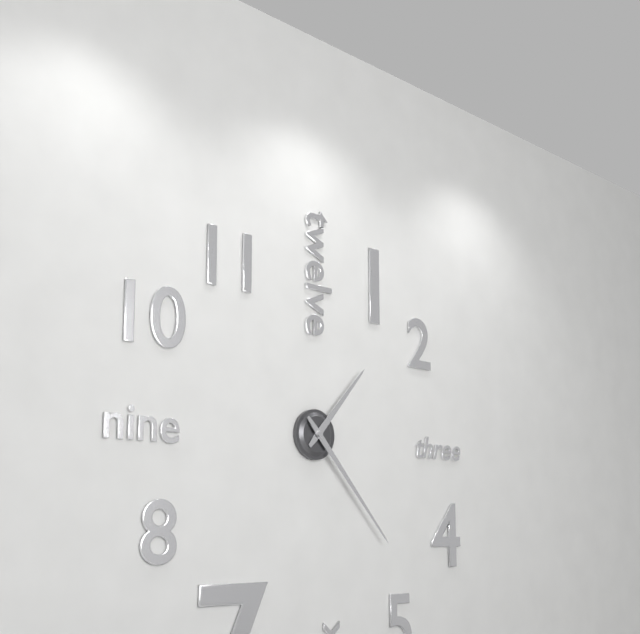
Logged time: 1.23
